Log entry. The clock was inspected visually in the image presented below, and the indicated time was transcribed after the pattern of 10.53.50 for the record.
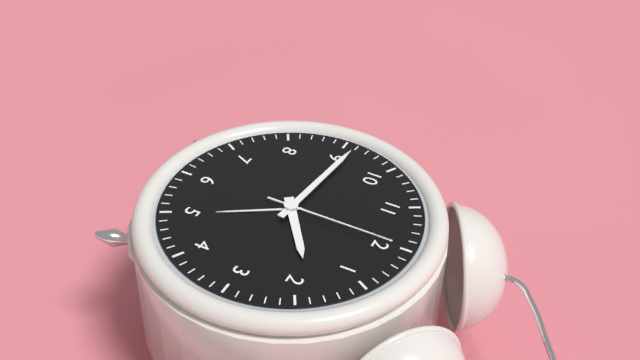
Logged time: 1.46.00
